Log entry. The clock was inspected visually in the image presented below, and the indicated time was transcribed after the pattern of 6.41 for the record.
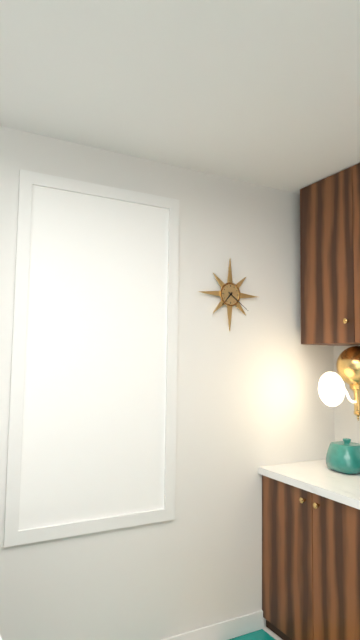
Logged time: 7.21
